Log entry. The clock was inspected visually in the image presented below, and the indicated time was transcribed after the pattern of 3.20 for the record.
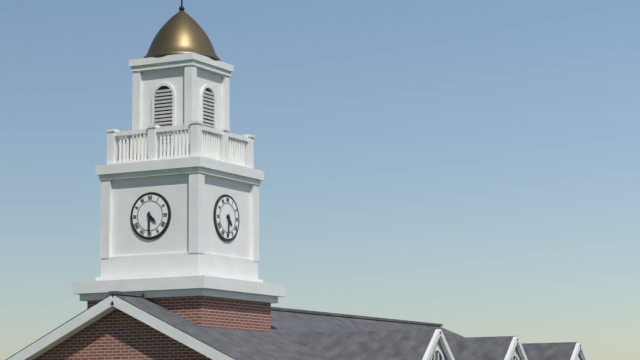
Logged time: 4.30
